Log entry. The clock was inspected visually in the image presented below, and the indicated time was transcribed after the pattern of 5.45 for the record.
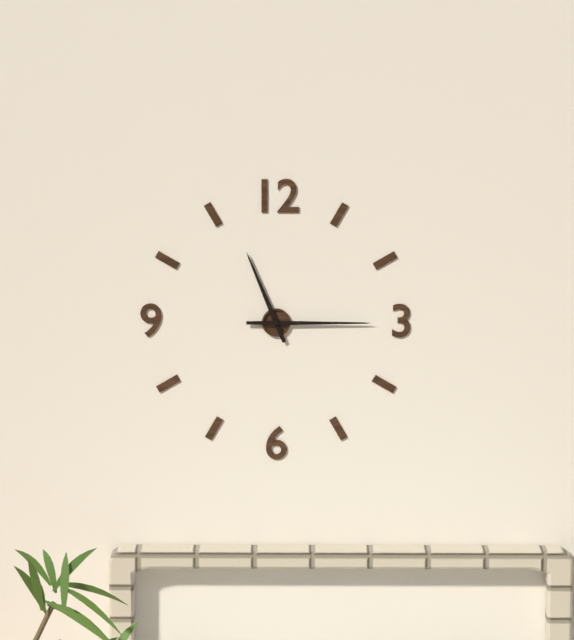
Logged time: 11.15
